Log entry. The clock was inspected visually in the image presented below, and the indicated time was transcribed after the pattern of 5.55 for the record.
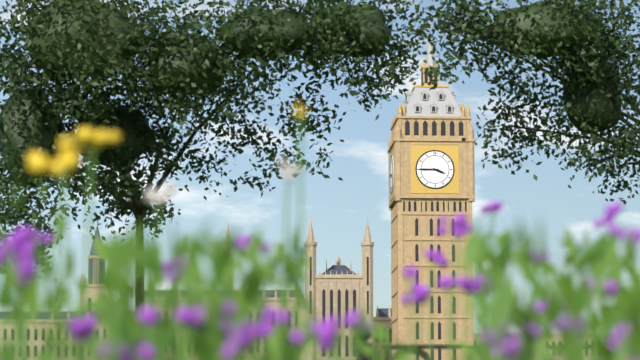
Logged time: 3.45
